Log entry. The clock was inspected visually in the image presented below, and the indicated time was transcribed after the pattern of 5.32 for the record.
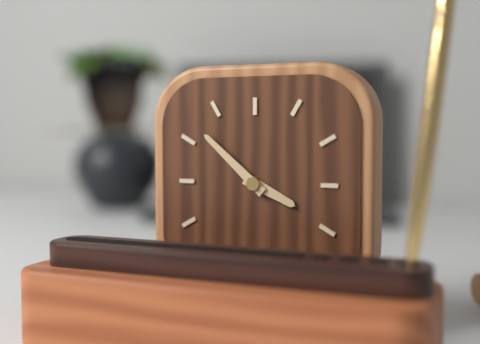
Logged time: 3.52
